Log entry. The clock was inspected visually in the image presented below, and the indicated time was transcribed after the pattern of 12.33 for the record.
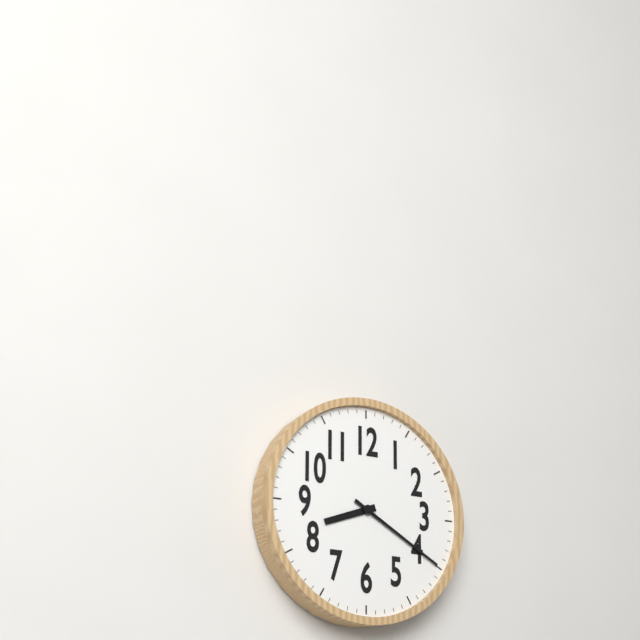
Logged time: 8.20
